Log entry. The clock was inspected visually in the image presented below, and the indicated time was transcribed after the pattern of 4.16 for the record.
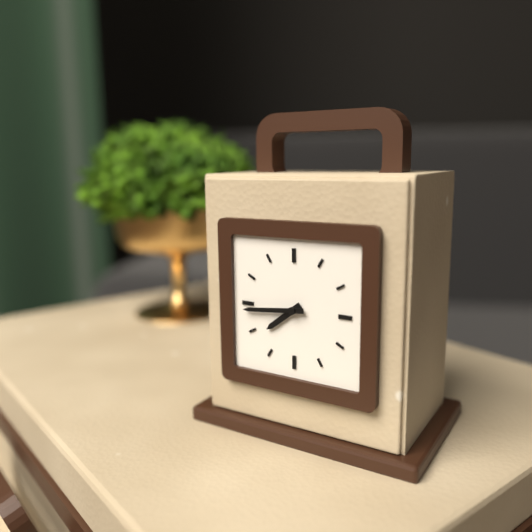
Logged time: 7.44
